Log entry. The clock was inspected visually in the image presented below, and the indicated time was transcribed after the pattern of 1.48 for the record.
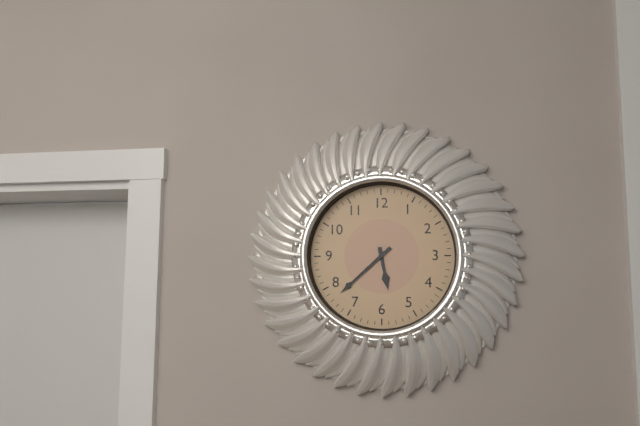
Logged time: 5.38
